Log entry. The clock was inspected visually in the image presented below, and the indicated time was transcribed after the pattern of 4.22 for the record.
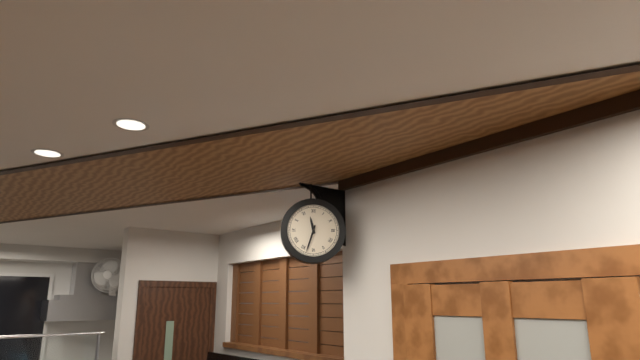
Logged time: 11.33
